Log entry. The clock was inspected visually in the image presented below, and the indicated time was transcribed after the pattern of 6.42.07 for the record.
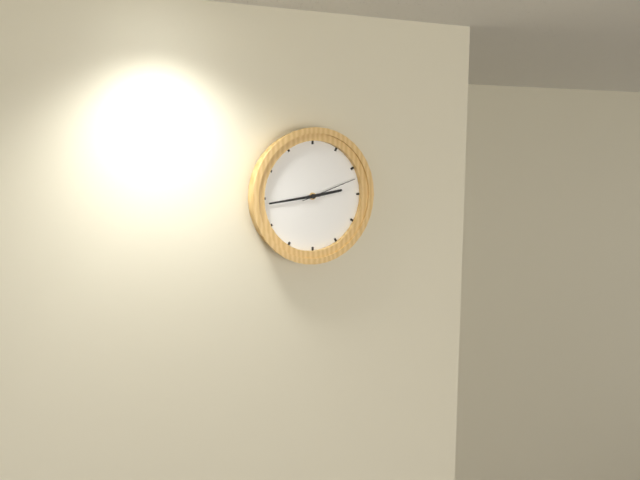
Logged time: 2.44.12
